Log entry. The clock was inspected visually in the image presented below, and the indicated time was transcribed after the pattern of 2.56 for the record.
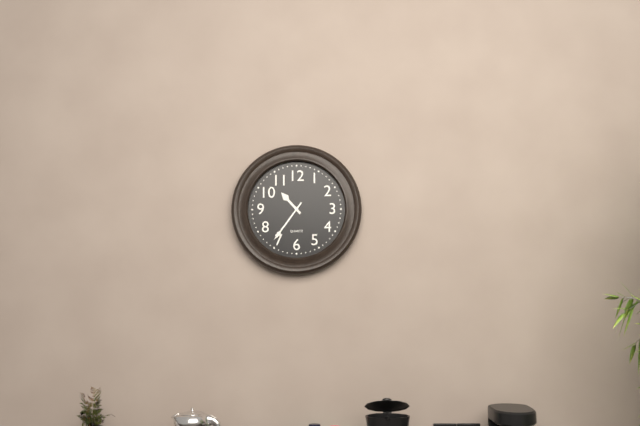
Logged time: 10.36
